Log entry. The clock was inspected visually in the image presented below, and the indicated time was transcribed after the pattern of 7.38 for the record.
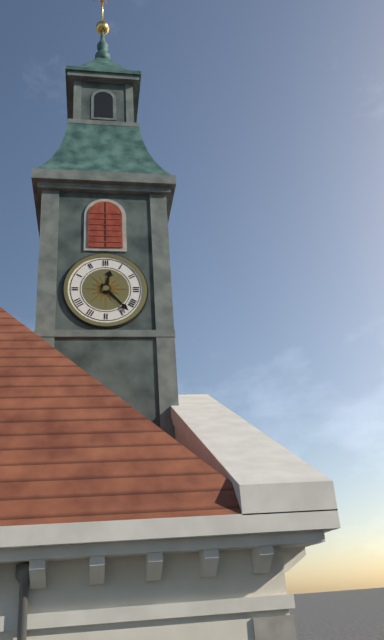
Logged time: 12.23
